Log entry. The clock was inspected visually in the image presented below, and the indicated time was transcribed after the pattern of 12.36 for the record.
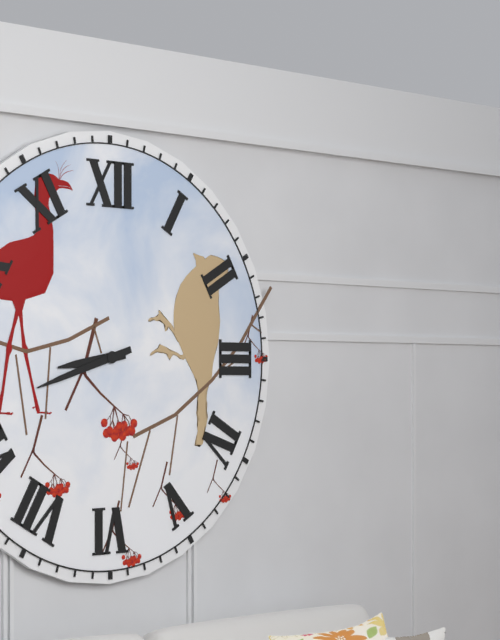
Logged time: 8.42
